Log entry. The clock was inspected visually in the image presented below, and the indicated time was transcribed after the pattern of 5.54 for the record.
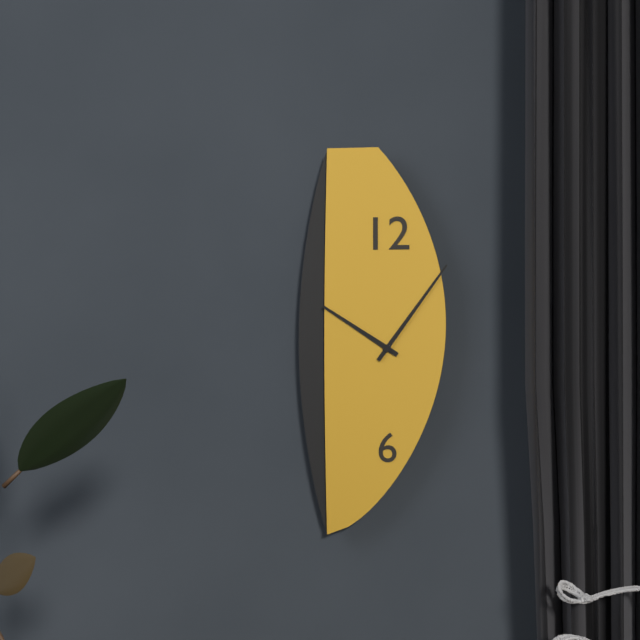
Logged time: 10.06
